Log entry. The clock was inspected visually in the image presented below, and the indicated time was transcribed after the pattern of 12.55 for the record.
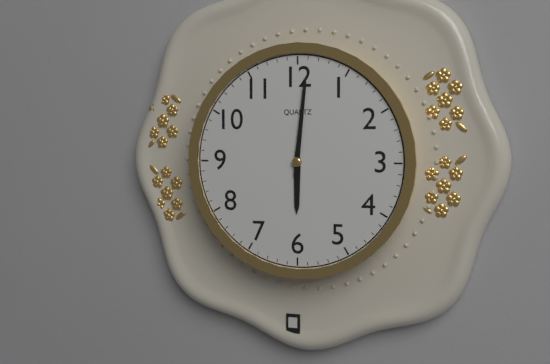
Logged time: 6.01
